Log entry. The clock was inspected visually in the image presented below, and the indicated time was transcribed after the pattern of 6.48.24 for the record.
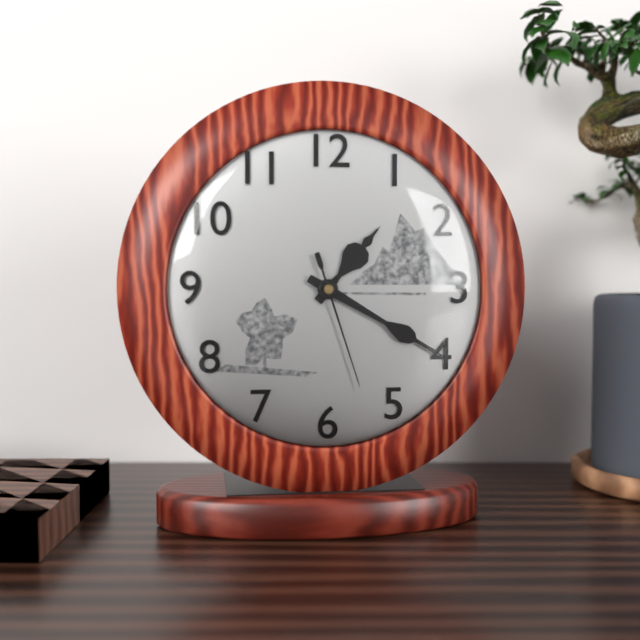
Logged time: 1.20.27
